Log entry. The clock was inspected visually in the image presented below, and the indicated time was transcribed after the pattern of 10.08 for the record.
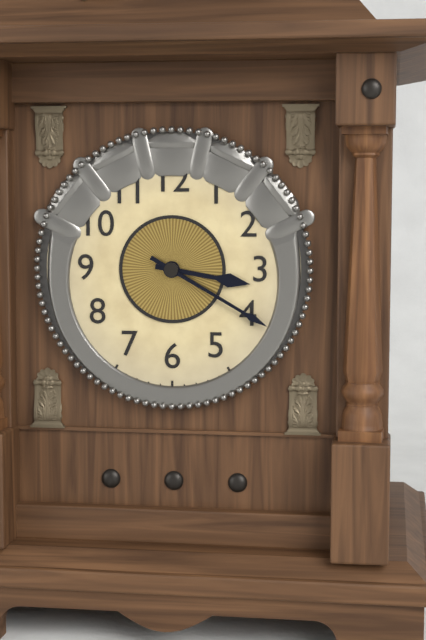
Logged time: 3.20
